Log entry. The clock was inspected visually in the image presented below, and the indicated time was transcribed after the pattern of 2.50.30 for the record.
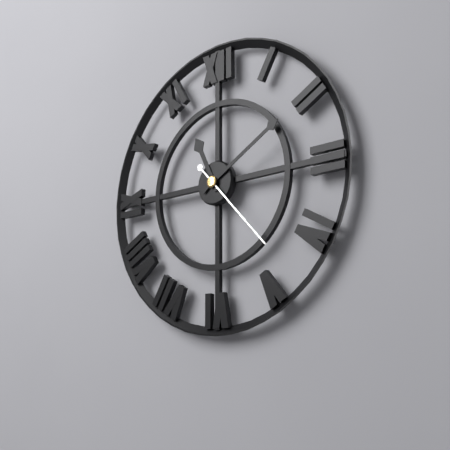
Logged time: 11.10.23
